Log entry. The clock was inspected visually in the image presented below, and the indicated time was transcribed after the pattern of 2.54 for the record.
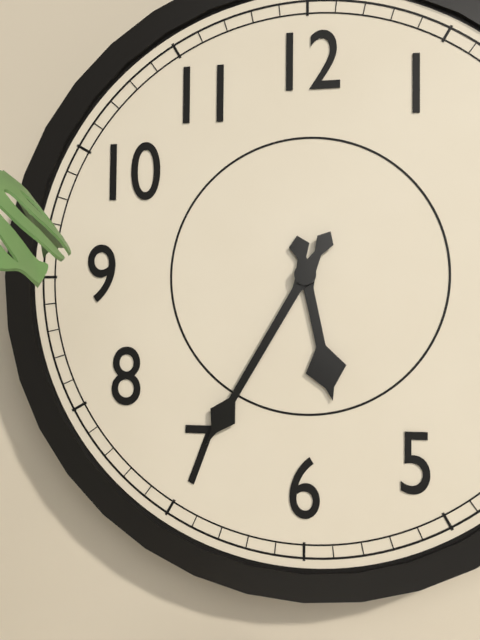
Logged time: 5.35
